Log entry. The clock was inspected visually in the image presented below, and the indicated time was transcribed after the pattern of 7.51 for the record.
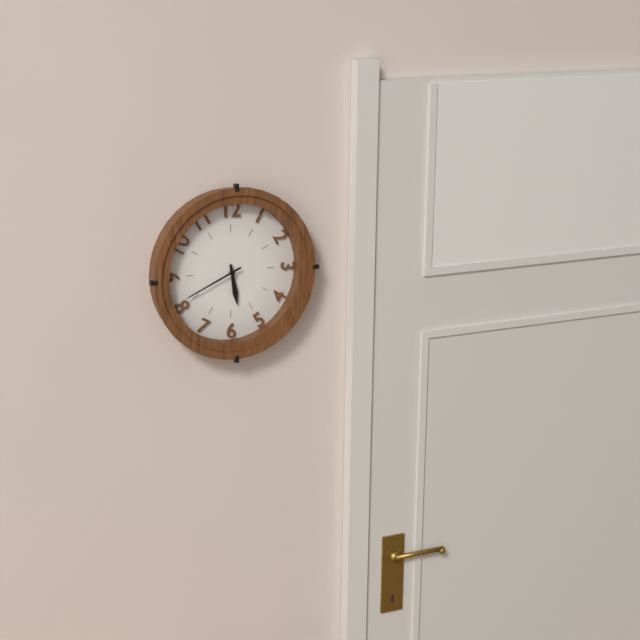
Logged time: 5.41
